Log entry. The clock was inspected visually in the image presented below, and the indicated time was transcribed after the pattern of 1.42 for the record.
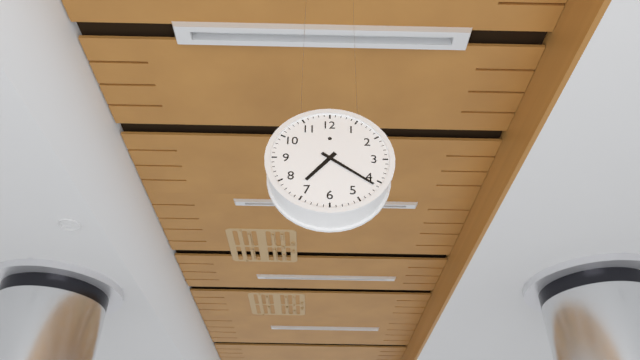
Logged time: 7.21
